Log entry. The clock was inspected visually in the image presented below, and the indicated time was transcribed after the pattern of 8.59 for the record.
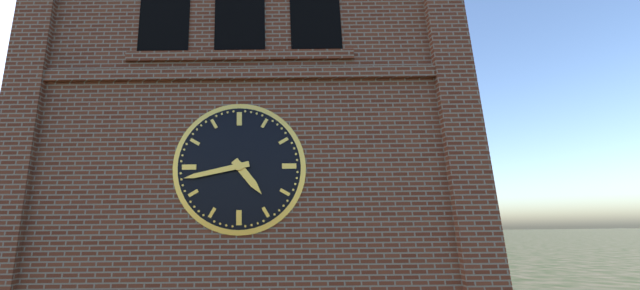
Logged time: 4.43
